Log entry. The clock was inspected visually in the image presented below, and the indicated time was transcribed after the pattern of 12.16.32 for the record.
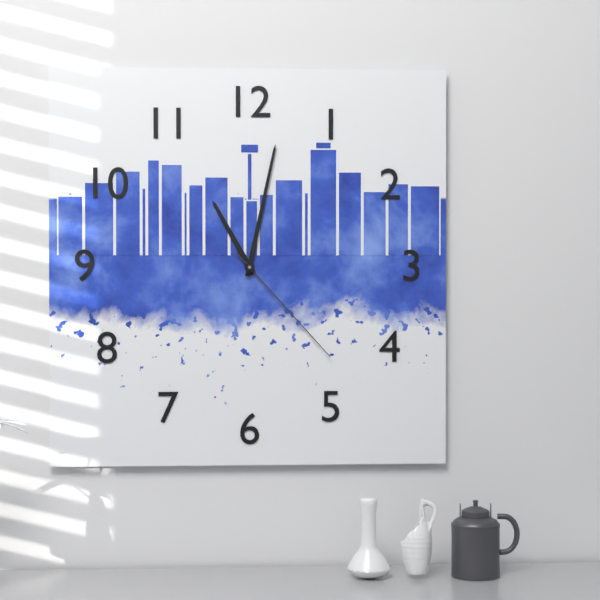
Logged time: 11.02.23
